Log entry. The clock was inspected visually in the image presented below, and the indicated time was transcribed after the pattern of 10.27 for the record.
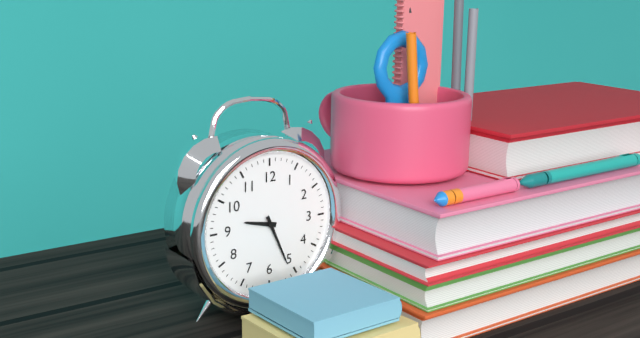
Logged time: 9.26
